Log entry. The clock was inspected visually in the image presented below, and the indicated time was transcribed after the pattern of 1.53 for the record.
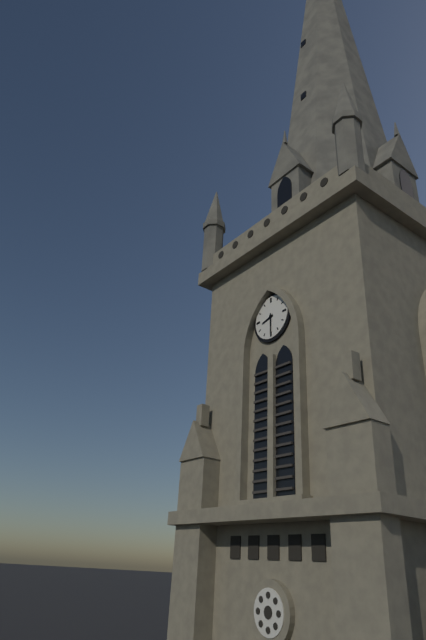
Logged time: 8.30
